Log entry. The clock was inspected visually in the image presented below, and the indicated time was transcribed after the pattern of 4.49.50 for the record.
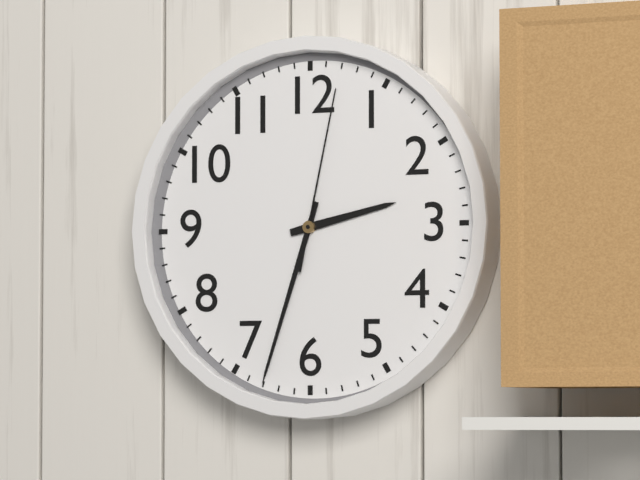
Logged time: 2.33.02
